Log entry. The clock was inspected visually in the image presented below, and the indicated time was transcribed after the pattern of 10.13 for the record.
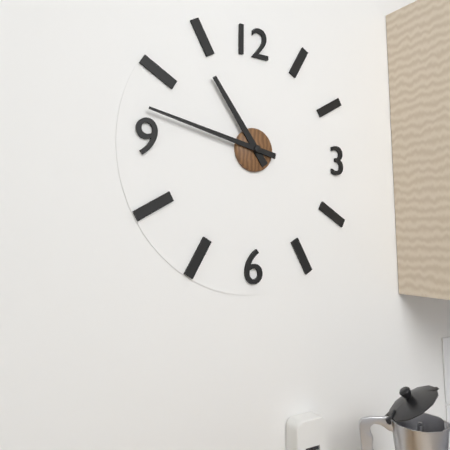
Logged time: 10.47
